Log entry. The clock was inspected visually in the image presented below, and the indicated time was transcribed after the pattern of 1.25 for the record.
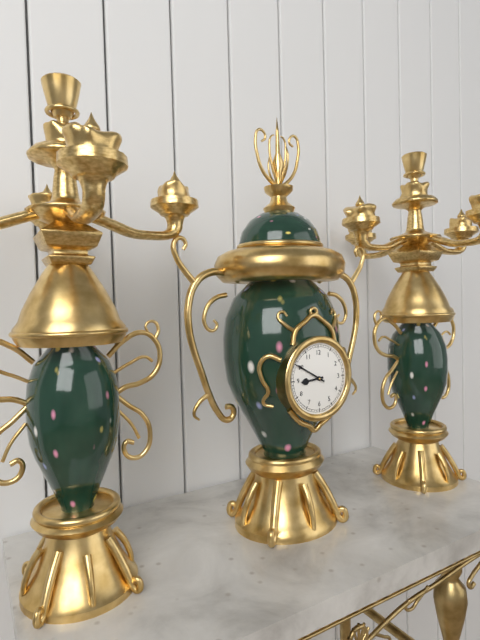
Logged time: 8.50
